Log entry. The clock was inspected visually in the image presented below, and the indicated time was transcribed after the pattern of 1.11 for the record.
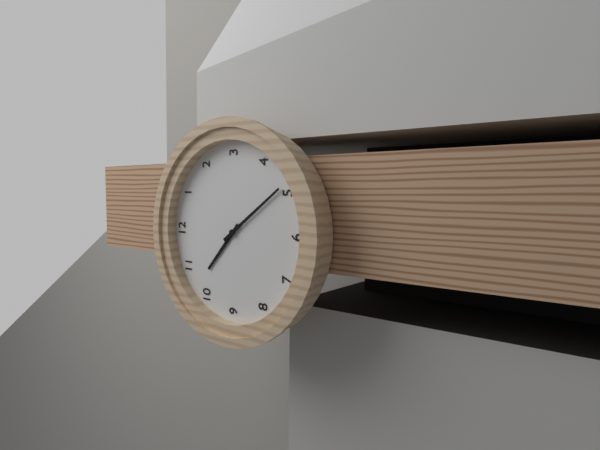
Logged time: 10.24
